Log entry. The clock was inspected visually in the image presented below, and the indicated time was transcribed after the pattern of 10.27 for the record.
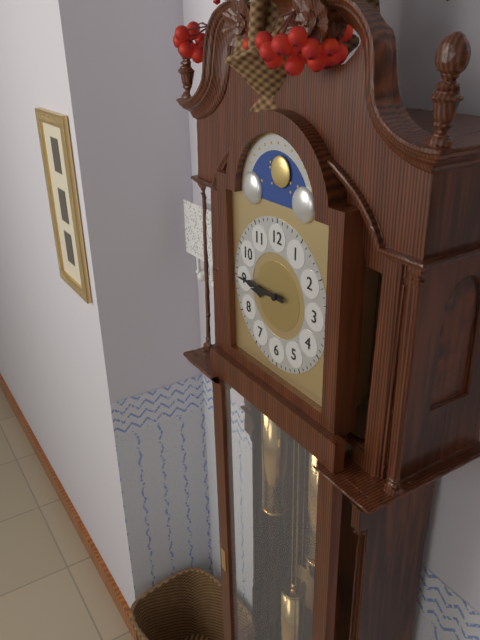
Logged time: 8.45
